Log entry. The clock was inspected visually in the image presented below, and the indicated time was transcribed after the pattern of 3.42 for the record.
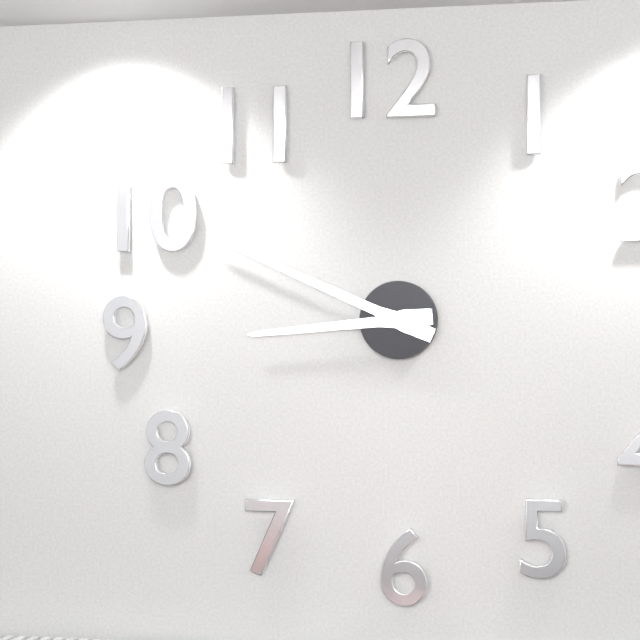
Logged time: 8.49
